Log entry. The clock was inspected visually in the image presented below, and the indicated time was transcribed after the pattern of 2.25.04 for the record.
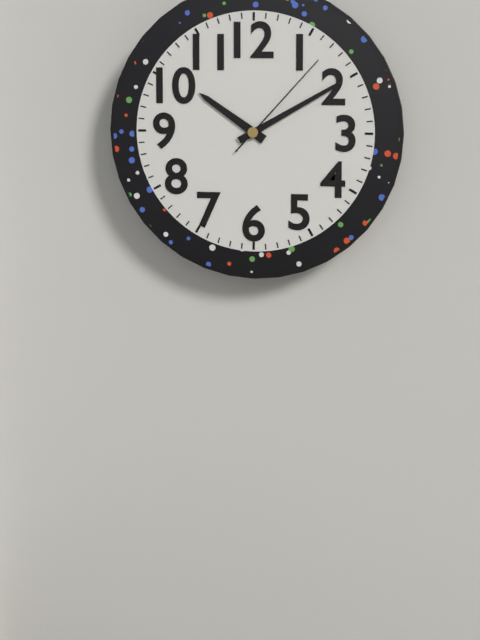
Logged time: 10.10.07
